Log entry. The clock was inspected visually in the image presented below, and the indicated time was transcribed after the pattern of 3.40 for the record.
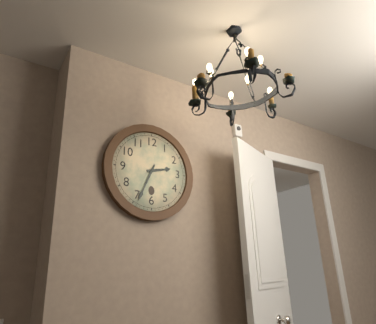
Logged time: 2.34
